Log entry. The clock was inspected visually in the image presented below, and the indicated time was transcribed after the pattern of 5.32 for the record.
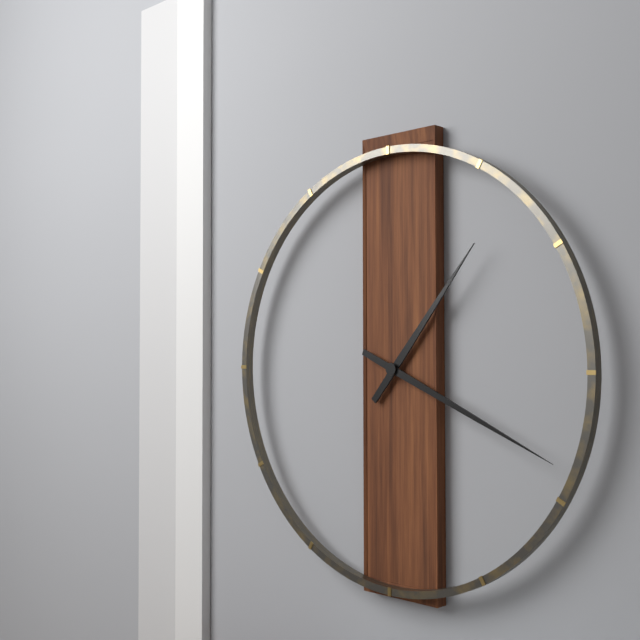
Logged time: 1.19
